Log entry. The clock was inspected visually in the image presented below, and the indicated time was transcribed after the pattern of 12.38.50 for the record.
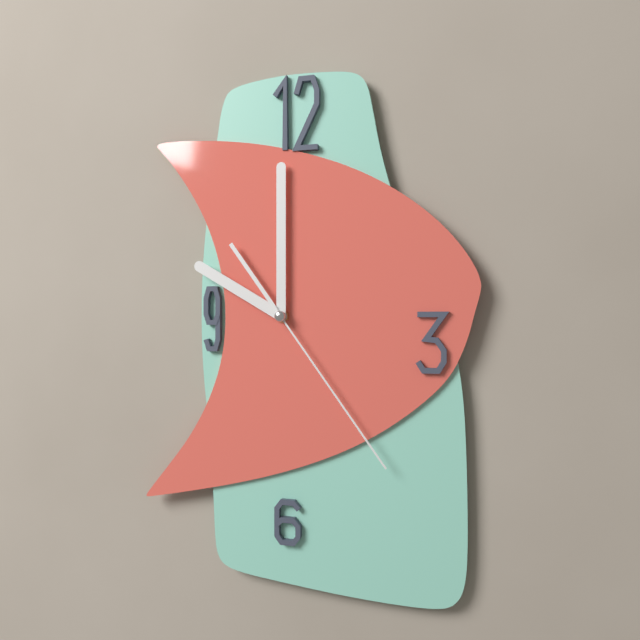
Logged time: 10.00.24
